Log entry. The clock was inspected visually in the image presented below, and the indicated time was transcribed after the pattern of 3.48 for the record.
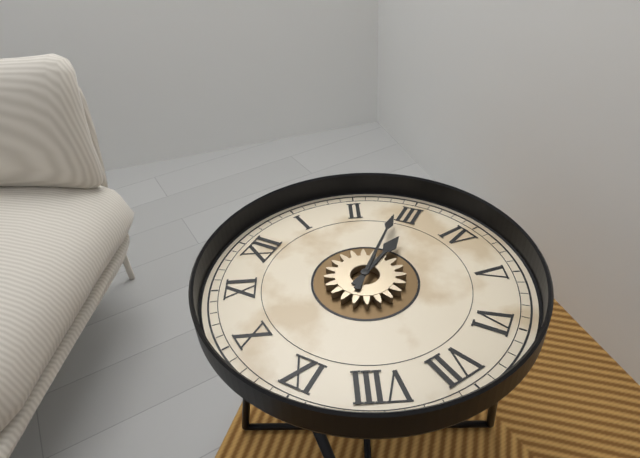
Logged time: 3.14
